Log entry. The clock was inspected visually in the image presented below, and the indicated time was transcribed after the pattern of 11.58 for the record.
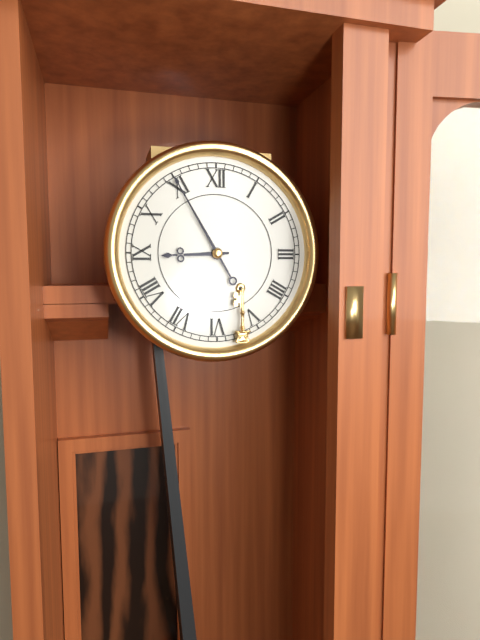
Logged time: 8.55
